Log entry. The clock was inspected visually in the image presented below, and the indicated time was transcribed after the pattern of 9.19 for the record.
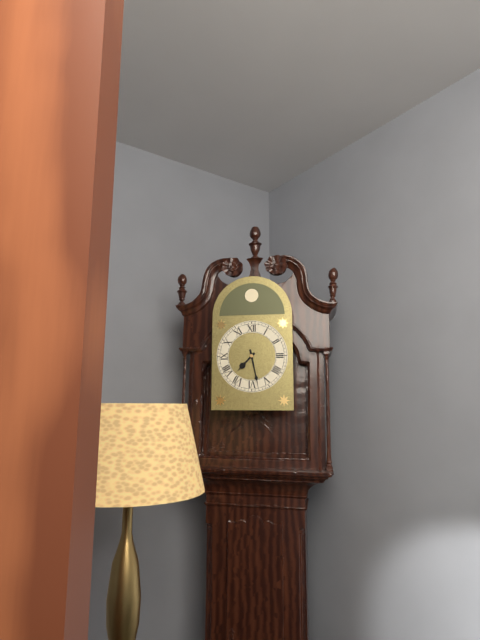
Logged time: 7.28
